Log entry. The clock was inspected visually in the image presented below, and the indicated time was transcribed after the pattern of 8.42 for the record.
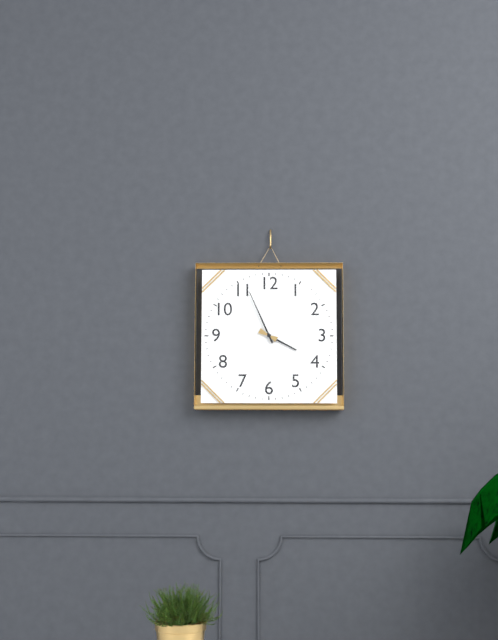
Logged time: 3.56
